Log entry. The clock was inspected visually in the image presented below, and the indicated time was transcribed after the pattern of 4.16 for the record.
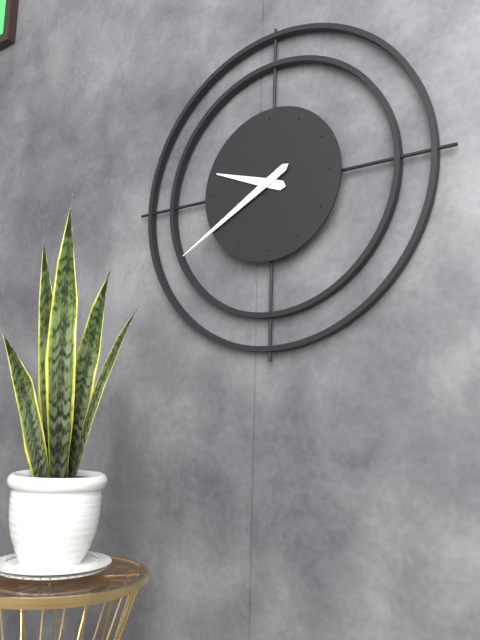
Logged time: 9.40
